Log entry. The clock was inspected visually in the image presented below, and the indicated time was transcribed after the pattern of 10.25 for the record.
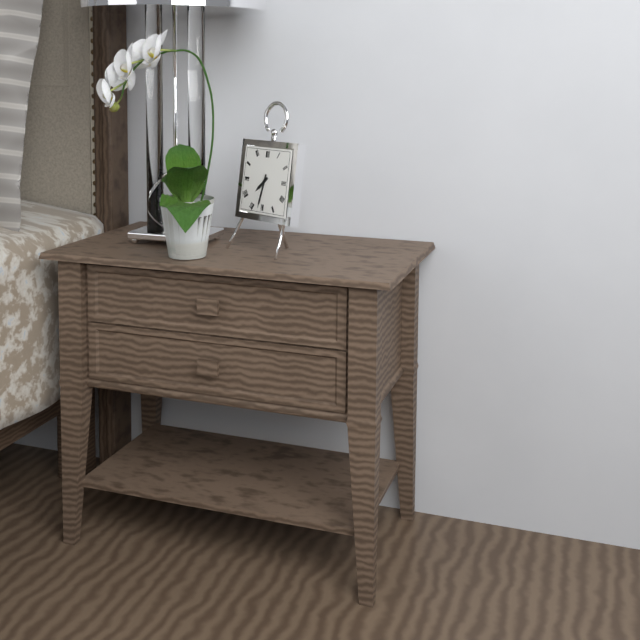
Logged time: 7.32
